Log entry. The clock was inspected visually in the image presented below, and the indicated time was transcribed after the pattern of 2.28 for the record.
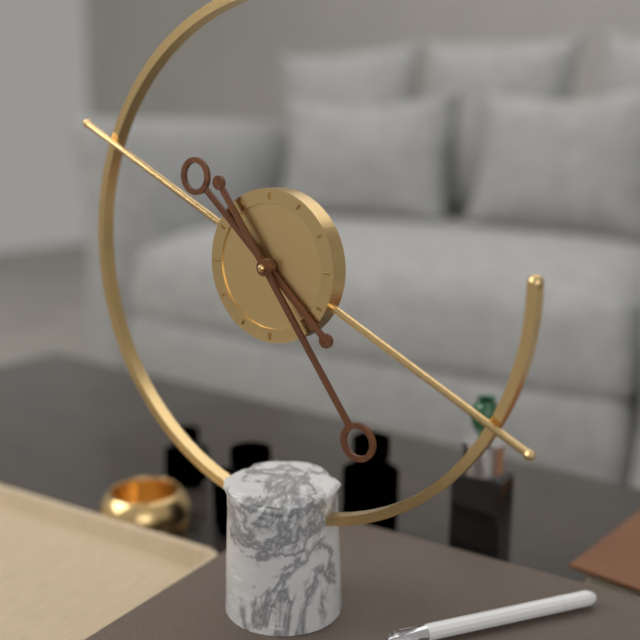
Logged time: 10.24
